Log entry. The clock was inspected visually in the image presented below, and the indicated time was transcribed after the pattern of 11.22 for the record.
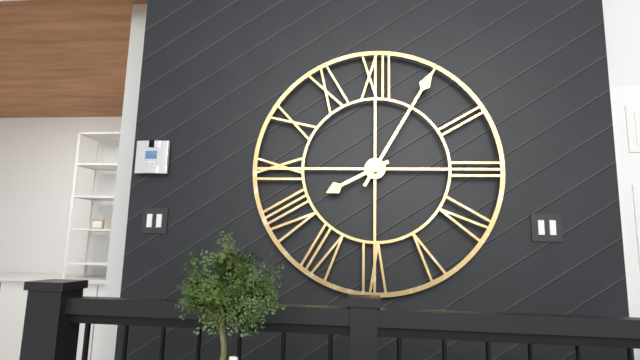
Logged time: 8.05
